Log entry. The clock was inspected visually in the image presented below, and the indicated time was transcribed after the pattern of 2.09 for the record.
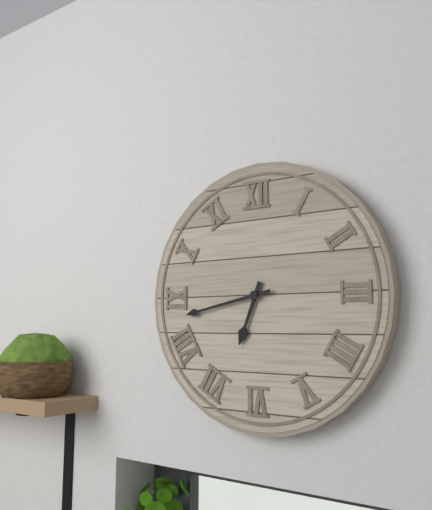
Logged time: 6.43
